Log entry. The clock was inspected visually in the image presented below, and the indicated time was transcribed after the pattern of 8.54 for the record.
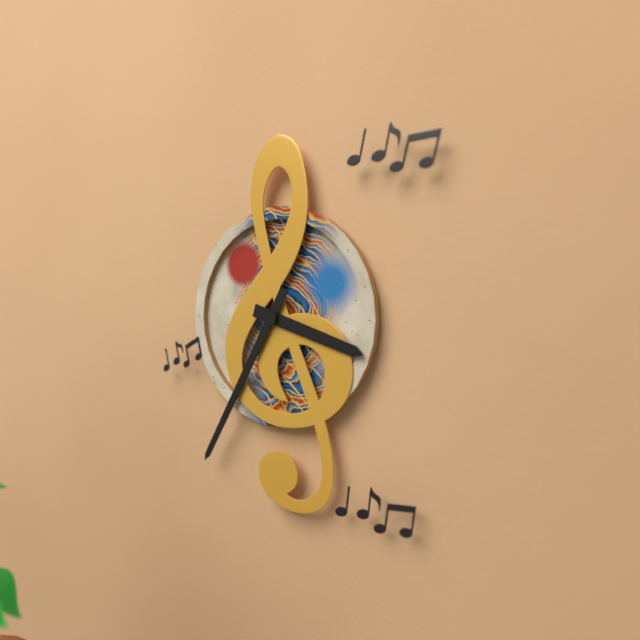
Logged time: 3.35
